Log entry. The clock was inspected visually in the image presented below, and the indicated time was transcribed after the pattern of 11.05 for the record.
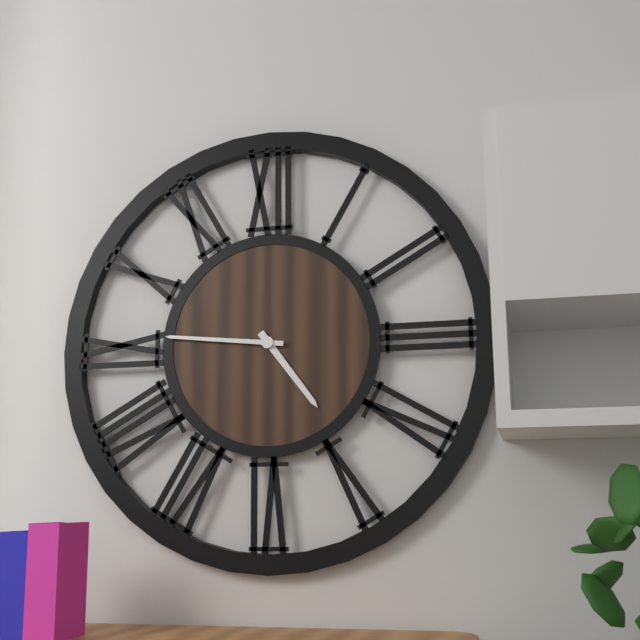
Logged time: 4.46
